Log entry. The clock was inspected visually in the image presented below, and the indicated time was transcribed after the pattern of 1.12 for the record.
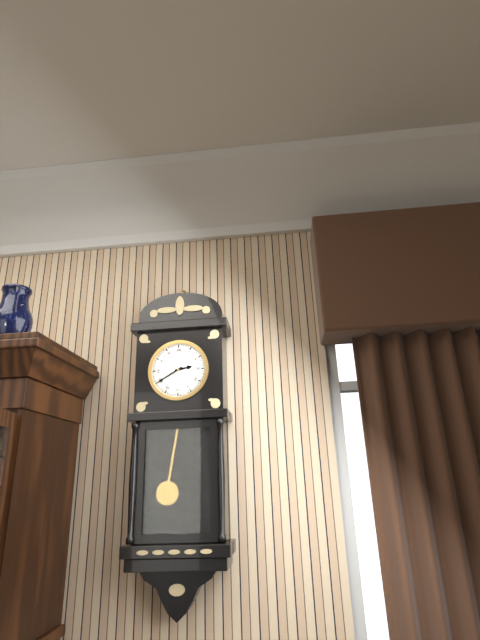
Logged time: 2.40
